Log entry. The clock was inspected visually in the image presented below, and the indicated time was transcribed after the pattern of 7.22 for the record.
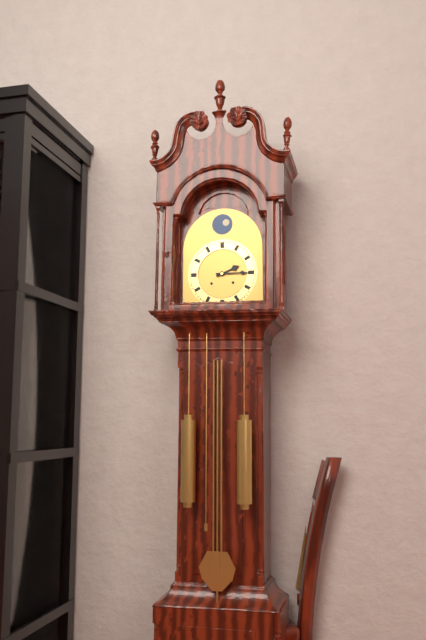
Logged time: 2.15
